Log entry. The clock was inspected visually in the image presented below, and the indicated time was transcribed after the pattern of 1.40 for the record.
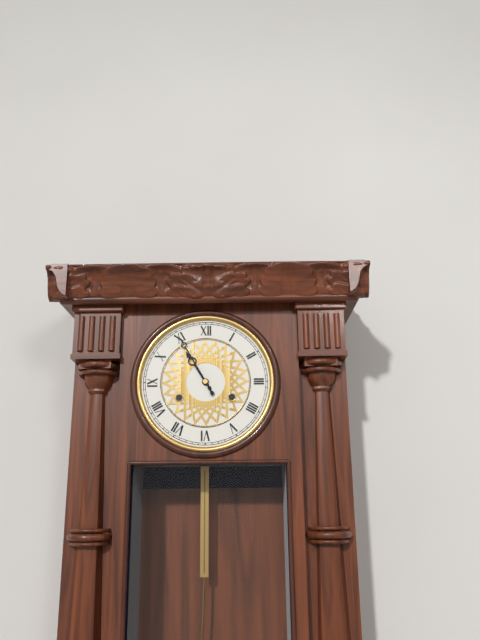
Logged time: 10.55
